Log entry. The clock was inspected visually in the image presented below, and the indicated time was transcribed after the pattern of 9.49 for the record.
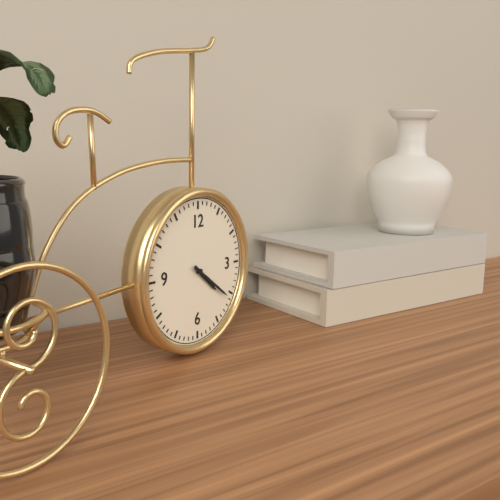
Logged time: 4.21
